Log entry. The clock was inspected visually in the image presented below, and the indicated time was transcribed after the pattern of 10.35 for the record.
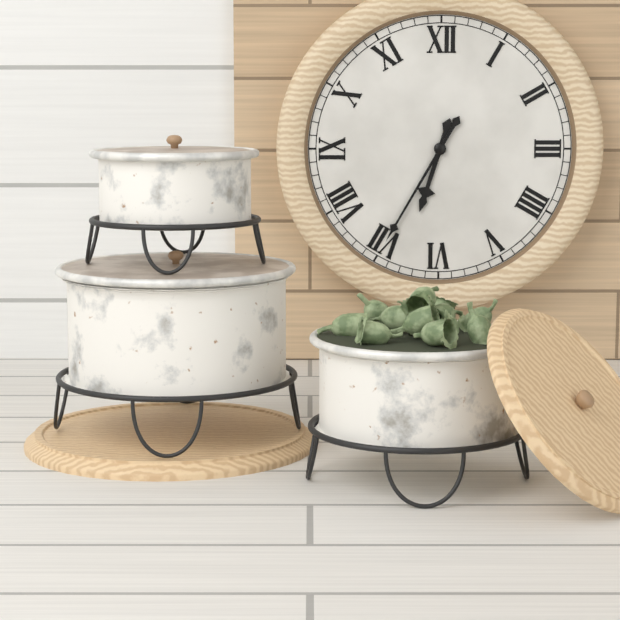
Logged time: 6.35
